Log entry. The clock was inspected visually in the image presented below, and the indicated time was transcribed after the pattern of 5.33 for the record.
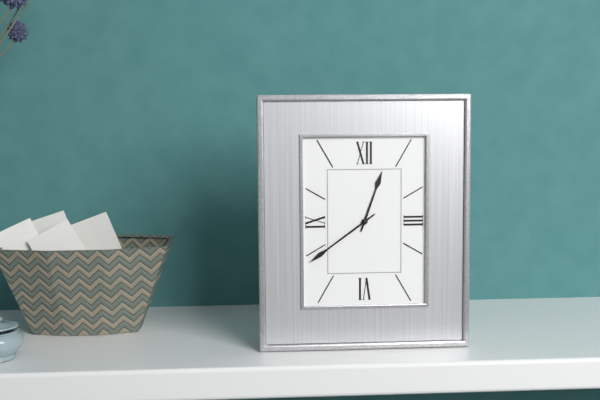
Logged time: 12.39
